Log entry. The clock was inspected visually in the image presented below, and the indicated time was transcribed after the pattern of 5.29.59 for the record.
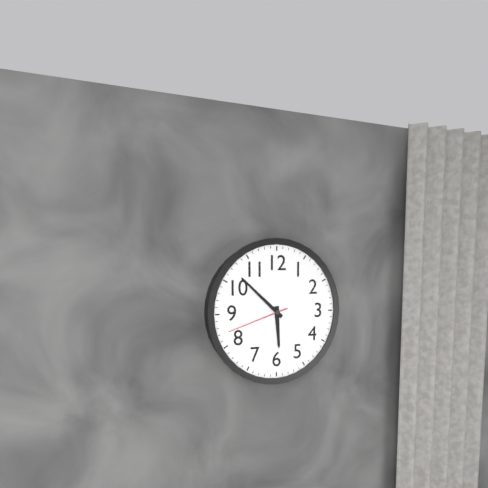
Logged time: 5.52.42
